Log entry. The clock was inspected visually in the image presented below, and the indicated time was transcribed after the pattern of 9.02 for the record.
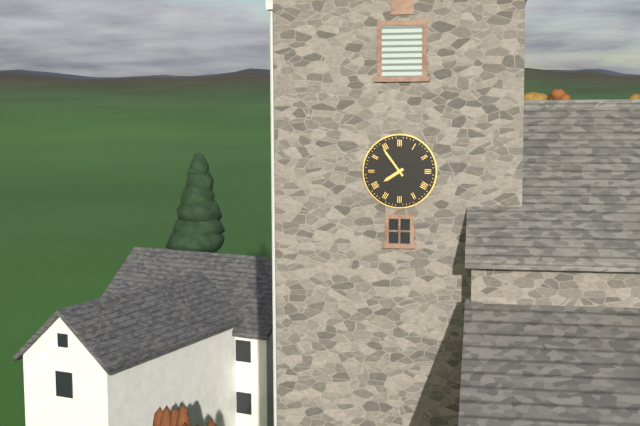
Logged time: 7.54
